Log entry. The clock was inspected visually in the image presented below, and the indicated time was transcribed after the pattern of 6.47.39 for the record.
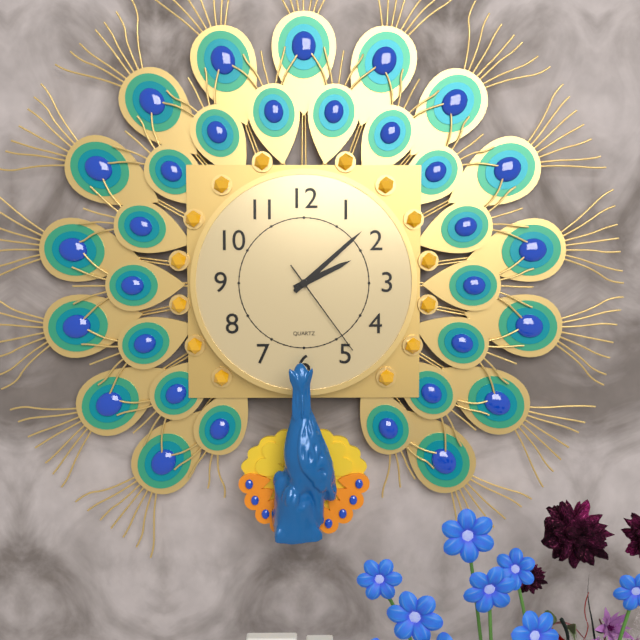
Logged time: 2.08.24
